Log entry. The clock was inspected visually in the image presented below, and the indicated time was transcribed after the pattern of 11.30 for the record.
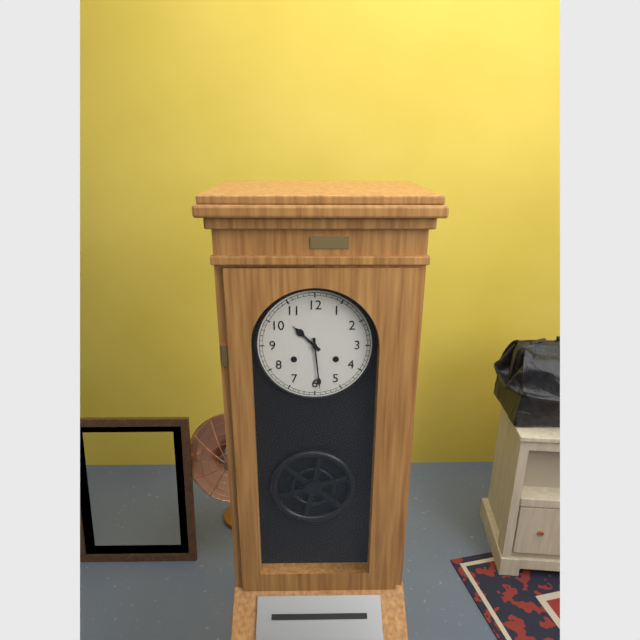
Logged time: 10.29
